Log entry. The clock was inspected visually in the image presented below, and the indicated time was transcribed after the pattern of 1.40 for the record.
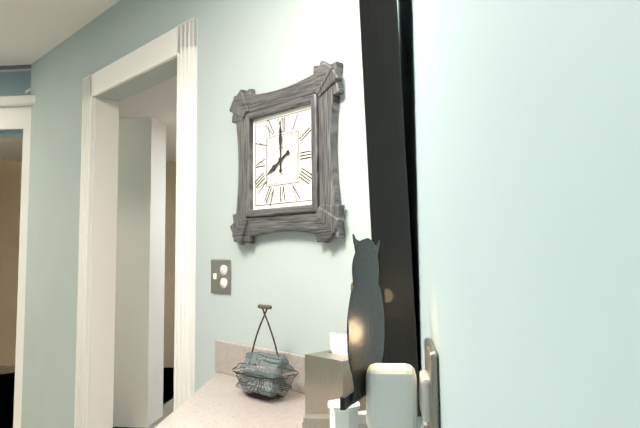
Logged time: 8.00
